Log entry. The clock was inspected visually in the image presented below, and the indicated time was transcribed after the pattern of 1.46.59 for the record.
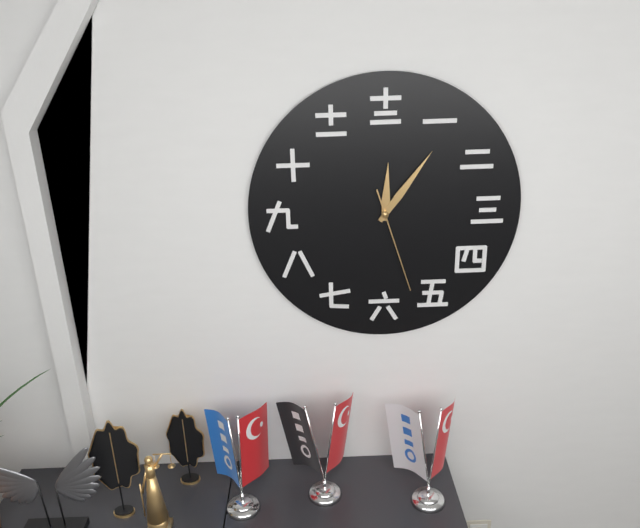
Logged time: 12.06.27
